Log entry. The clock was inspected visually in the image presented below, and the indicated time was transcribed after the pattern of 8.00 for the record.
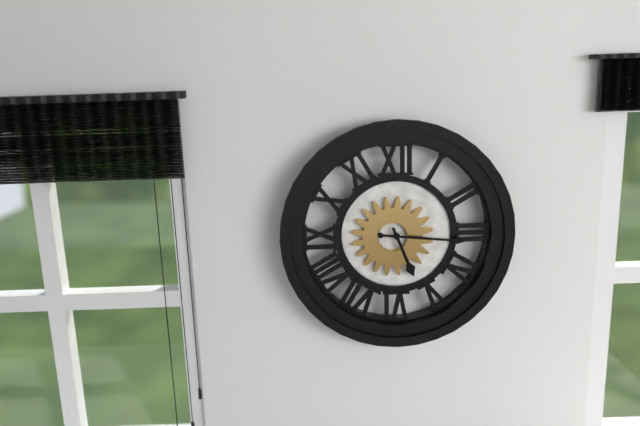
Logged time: 5.16
